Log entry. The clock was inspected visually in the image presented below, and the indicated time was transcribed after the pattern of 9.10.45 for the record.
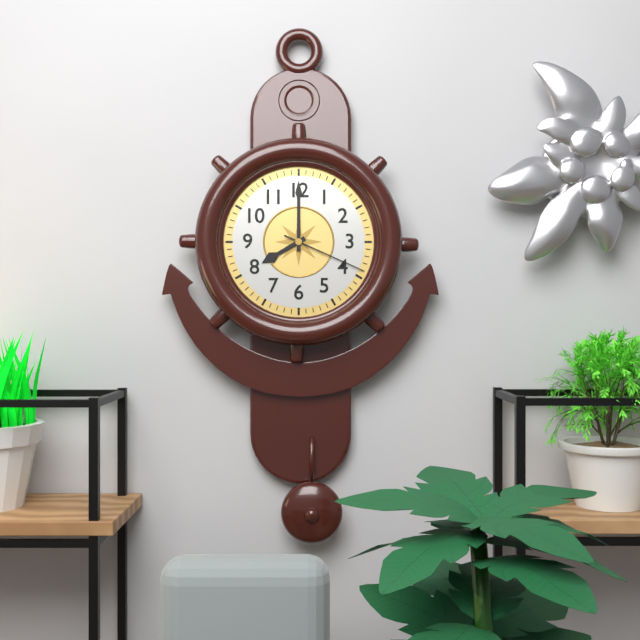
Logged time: 8.00.19
